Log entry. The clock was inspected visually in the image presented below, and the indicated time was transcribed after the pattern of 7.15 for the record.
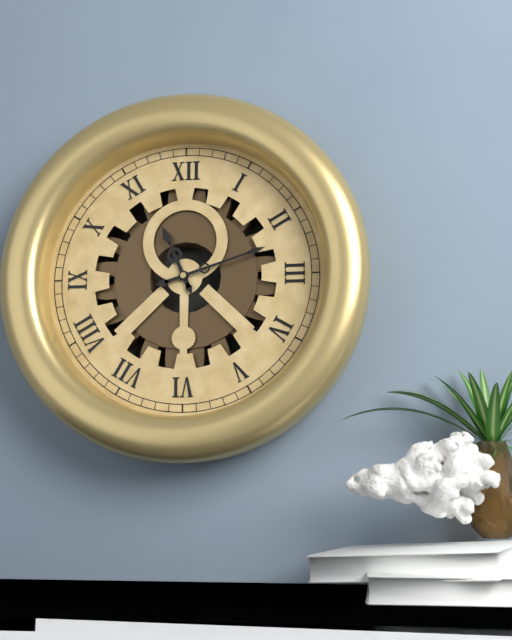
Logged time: 11.12
